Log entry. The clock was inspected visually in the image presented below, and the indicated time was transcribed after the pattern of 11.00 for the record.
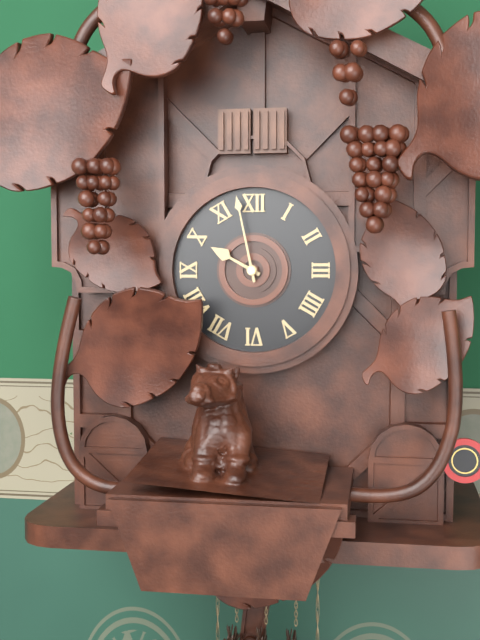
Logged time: 9.58
